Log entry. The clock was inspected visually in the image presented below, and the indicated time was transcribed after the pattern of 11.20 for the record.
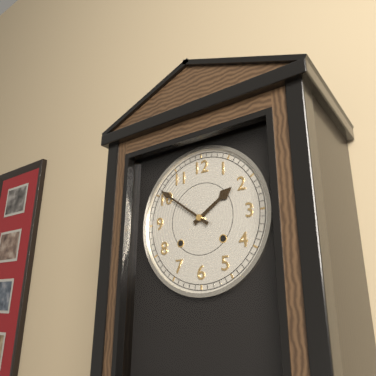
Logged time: 1.51
